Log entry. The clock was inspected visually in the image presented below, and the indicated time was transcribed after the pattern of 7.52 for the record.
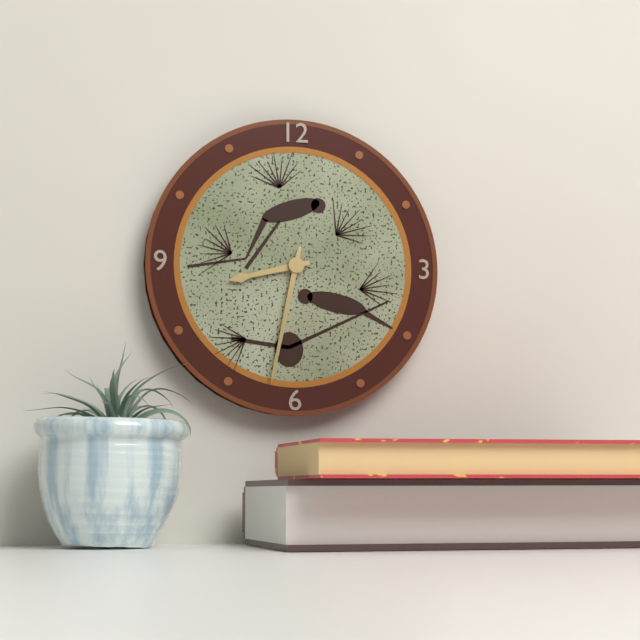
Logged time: 8.32
